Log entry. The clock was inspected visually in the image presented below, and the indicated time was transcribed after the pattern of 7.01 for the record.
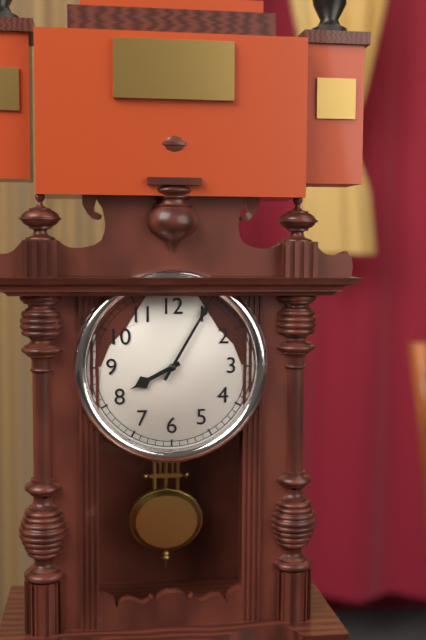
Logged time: 8.05
